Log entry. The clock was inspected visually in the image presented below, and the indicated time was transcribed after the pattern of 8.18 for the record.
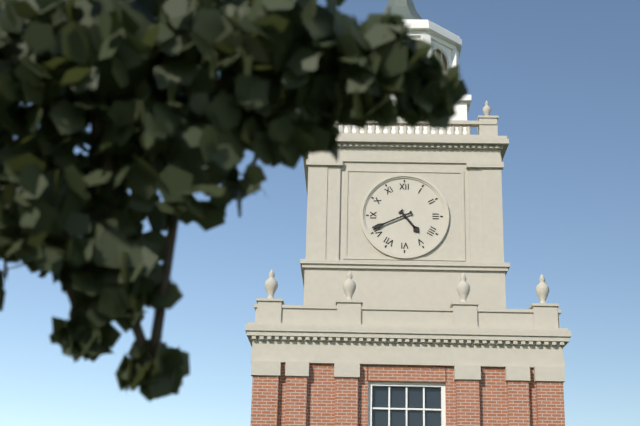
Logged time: 4.41
